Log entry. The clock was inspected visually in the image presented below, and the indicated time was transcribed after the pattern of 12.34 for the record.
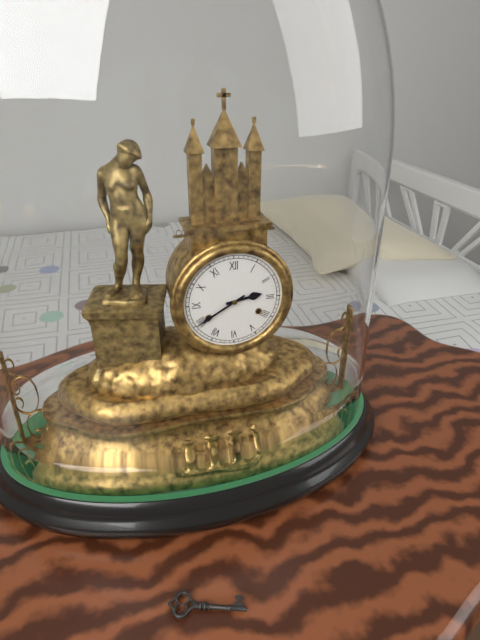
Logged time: 2.40
